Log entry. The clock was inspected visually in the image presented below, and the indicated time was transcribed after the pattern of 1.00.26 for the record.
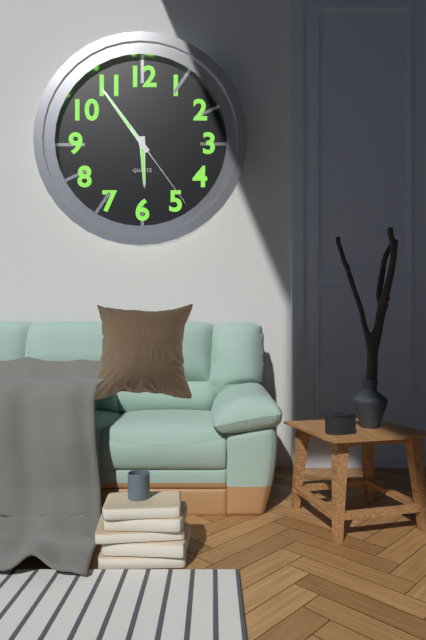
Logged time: 5.54.24
